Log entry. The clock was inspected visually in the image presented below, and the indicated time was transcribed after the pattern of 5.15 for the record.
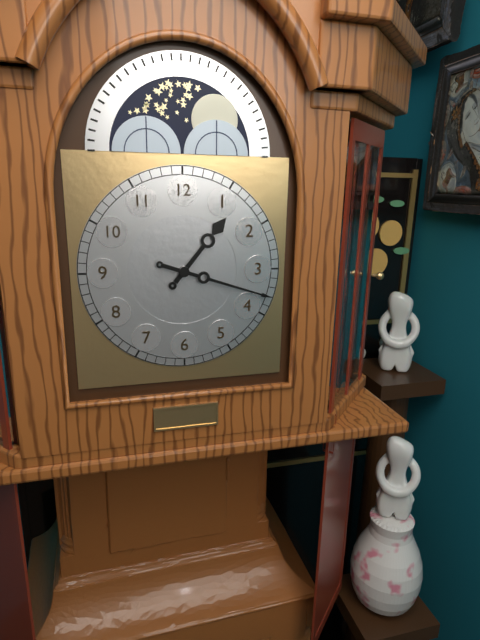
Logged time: 1.18
